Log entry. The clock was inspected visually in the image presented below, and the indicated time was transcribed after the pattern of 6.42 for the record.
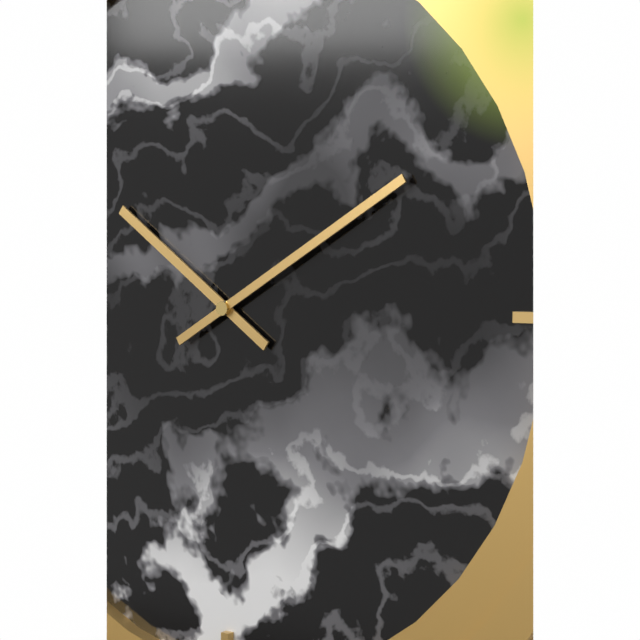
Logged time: 10.10
